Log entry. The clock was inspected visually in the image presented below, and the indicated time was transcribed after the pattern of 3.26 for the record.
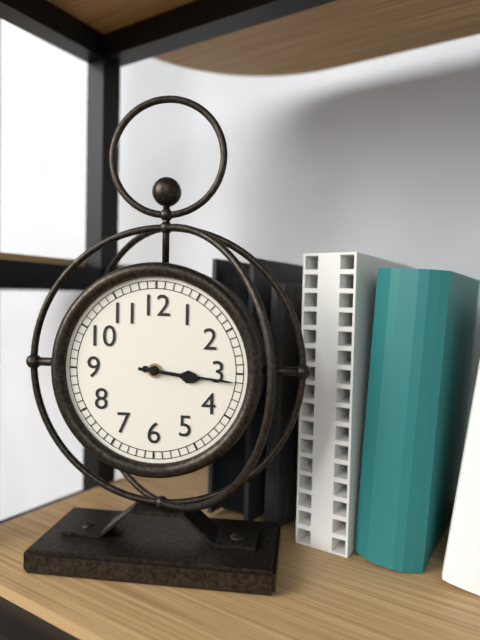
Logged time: 3.16
